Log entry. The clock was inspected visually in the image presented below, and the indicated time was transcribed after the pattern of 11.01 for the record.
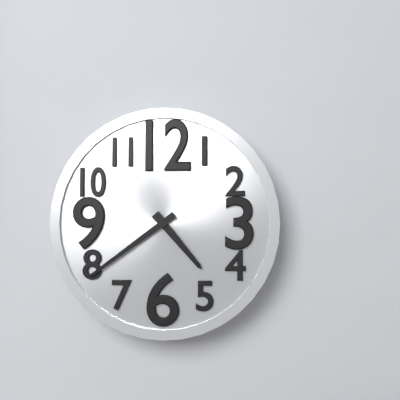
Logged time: 4.39
